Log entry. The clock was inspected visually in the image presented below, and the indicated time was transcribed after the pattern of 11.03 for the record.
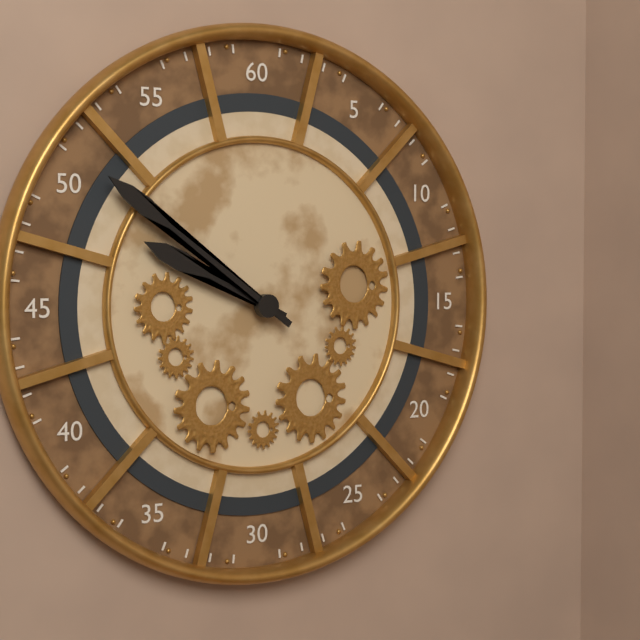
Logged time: 9.51
